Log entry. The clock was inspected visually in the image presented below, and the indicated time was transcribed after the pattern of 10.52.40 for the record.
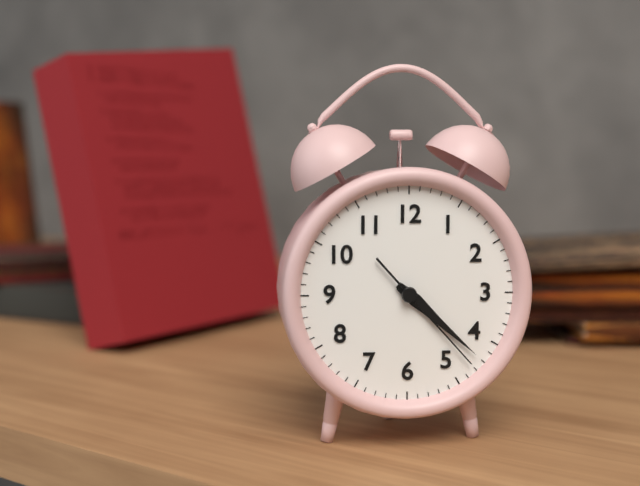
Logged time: 4.22.23
